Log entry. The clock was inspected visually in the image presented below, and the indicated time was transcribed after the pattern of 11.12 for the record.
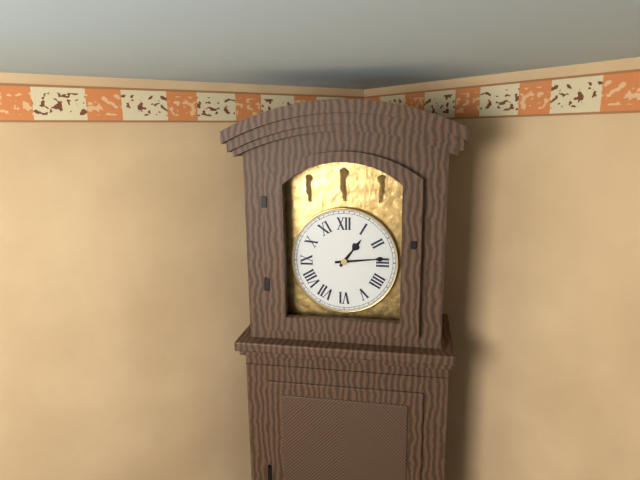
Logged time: 1.14
